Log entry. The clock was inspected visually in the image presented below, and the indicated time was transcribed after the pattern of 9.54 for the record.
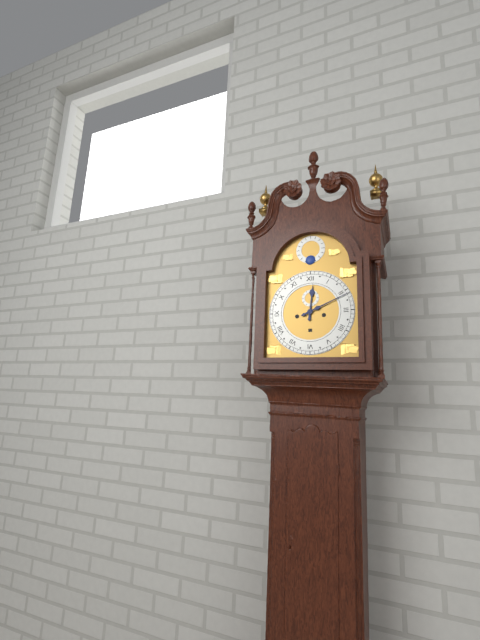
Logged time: 12.11
